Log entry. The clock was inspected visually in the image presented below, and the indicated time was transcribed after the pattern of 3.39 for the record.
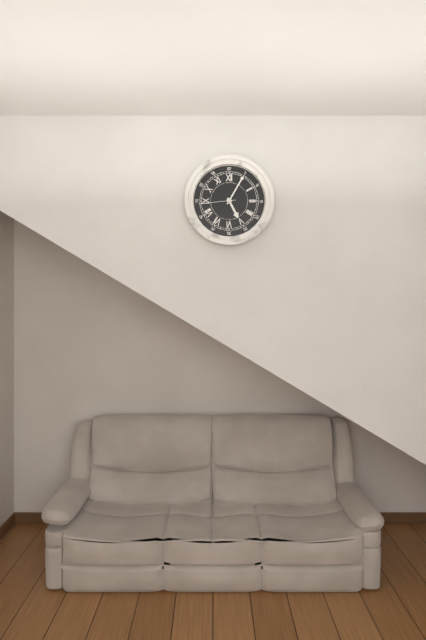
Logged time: 5.05
